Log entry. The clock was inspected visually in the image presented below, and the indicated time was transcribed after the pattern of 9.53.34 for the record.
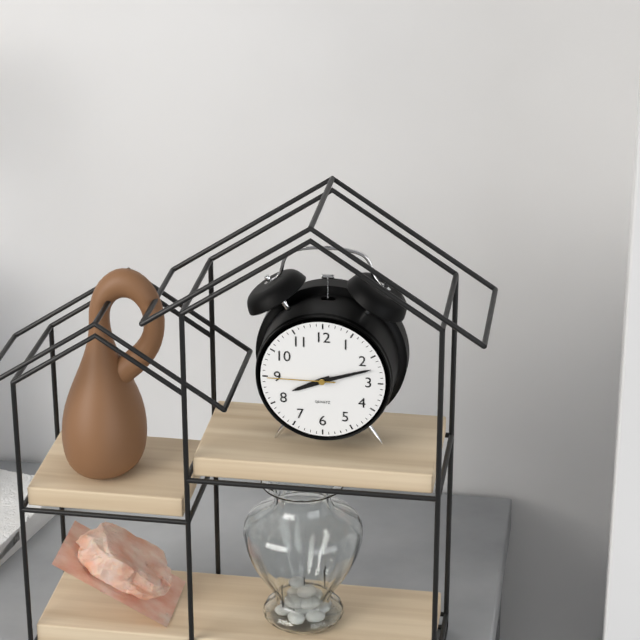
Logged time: 8.12.45
